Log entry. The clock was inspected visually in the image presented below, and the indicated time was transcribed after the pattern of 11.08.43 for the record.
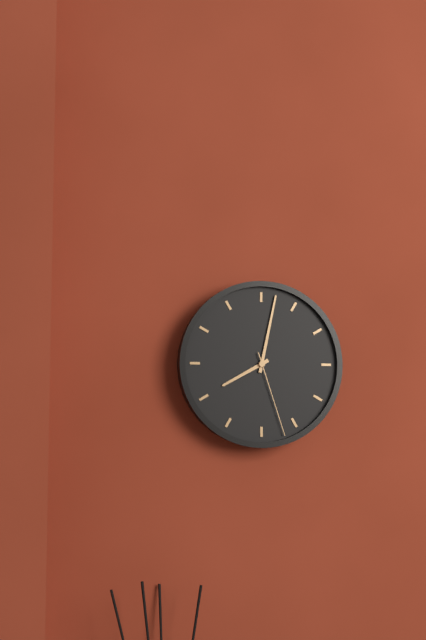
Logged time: 8.02.27
